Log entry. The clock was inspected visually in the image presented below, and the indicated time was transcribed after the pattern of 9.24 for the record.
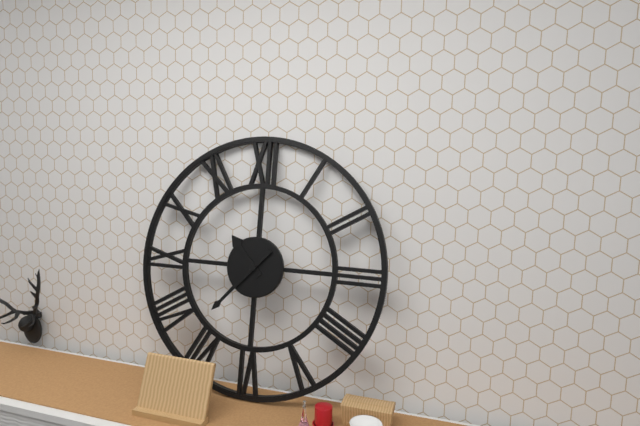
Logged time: 10.37
